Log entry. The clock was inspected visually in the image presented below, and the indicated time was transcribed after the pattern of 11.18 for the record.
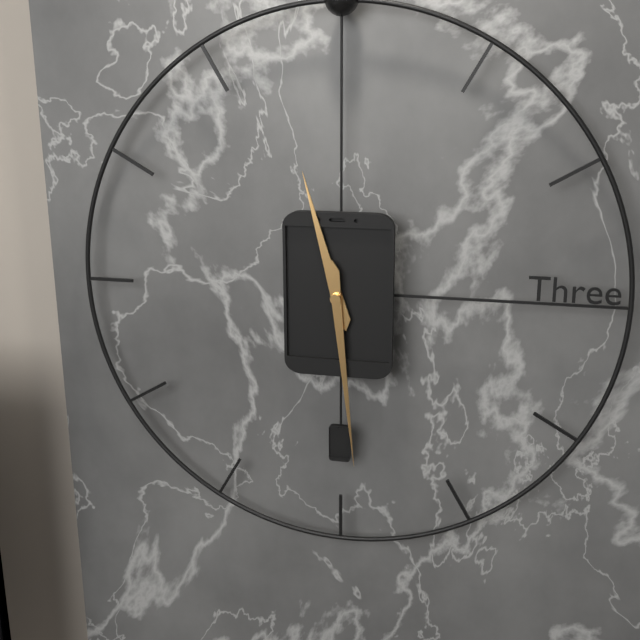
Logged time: 11.29
